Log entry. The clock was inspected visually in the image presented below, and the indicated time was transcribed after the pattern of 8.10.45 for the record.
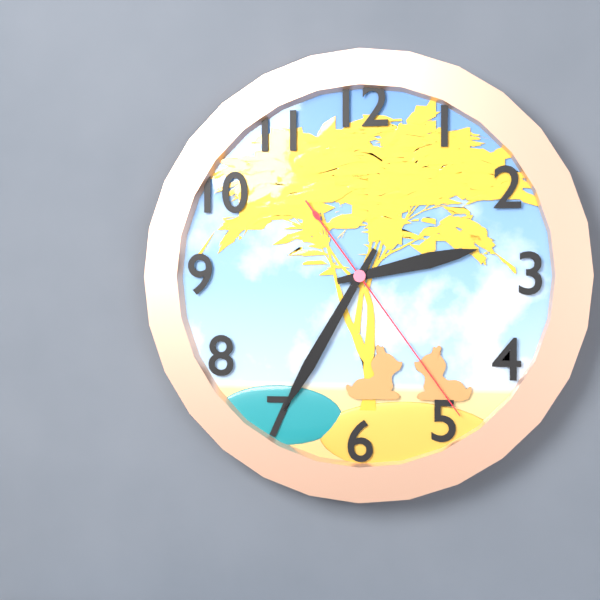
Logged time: 2.35.24
